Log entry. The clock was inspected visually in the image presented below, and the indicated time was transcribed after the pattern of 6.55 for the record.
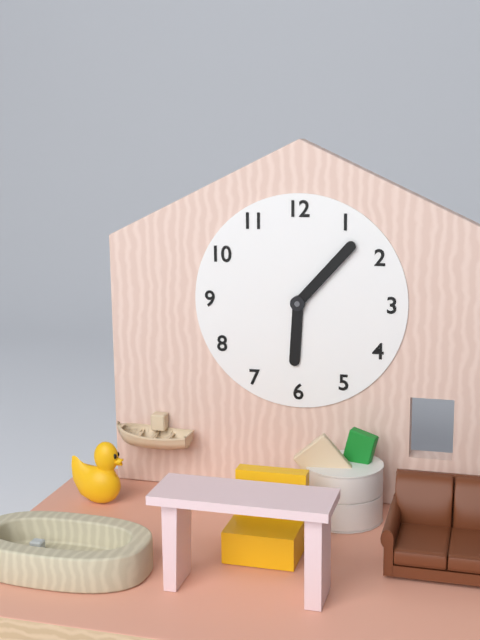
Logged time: 6.07
